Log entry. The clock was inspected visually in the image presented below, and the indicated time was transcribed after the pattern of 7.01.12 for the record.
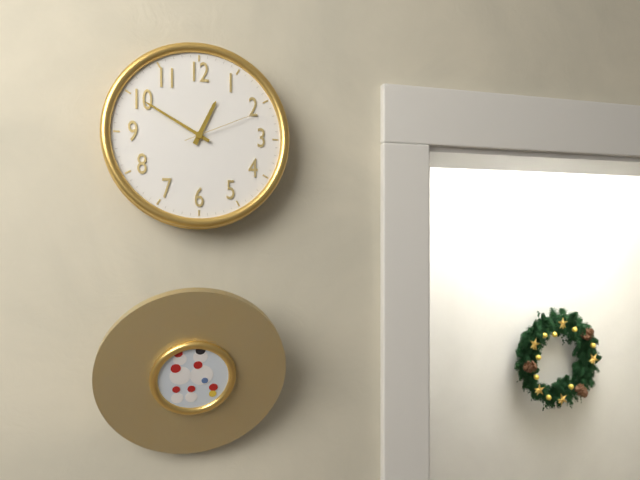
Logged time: 12.50.11
